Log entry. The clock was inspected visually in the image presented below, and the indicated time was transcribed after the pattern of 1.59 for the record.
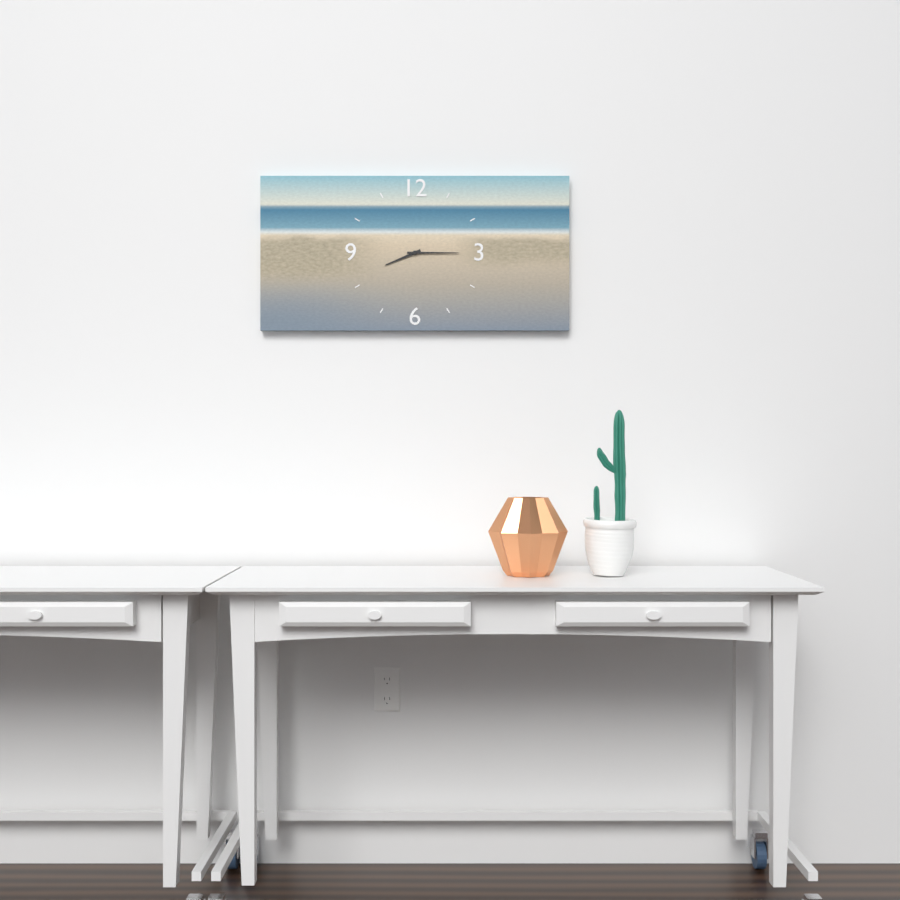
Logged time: 8.15
